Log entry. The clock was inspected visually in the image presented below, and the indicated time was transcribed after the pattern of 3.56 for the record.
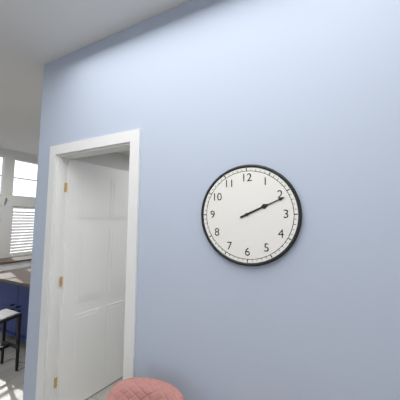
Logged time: 2.11
